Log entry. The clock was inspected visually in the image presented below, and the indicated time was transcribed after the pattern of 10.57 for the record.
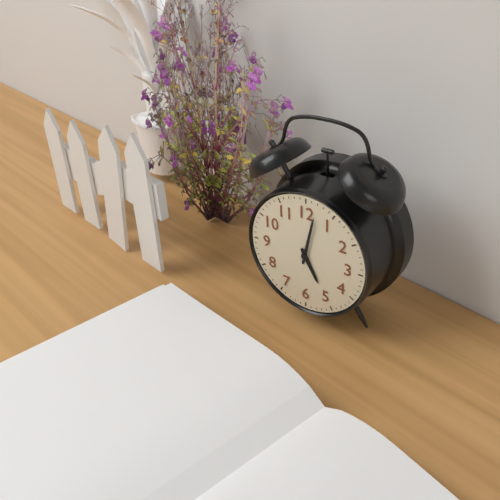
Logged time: 5.02
